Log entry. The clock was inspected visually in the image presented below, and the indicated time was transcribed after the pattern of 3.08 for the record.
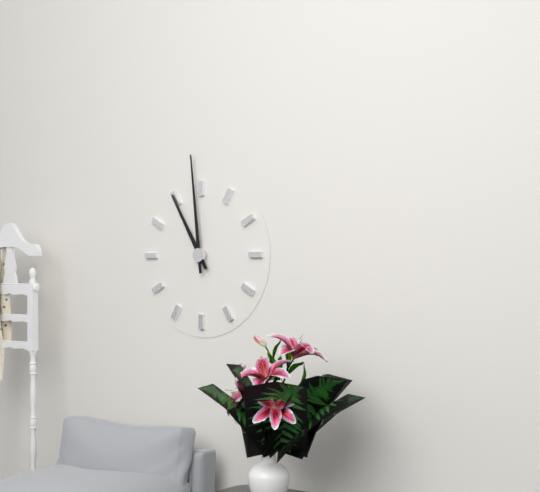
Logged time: 10.59
